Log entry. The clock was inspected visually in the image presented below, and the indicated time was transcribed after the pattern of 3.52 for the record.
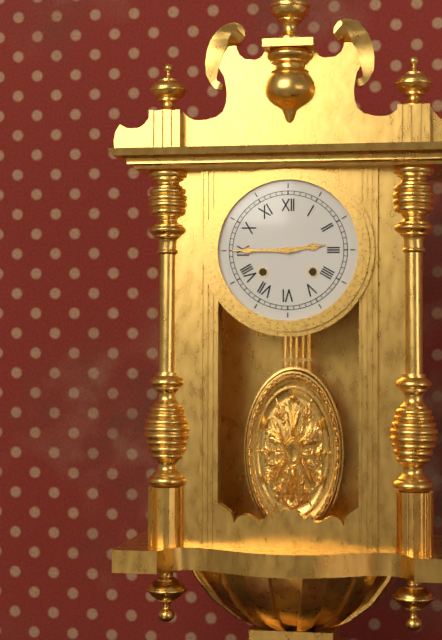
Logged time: 2.45
